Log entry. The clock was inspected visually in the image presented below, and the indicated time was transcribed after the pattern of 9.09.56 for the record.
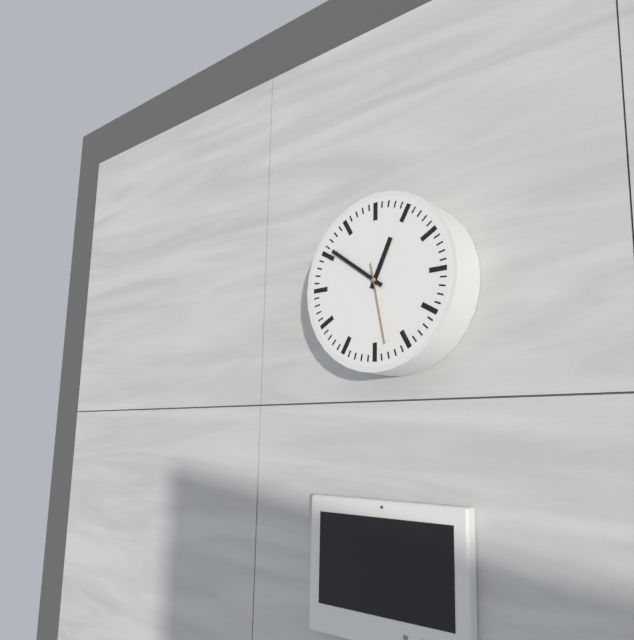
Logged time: 12.51.28
